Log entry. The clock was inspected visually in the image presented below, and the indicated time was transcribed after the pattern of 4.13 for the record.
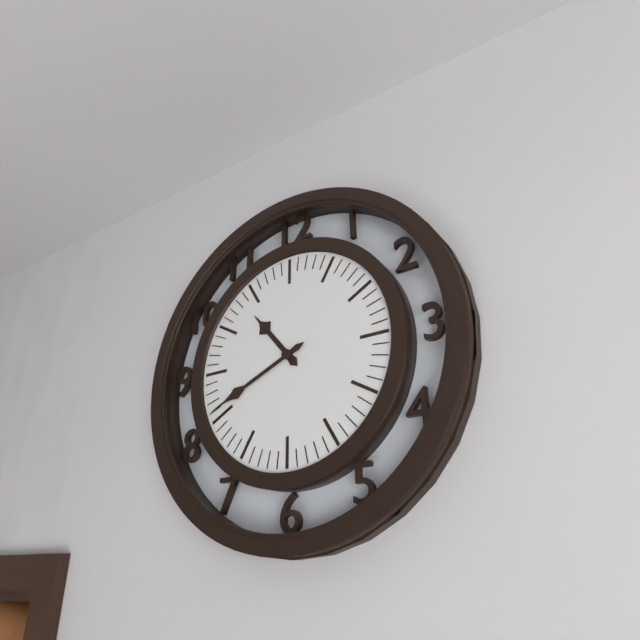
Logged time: 10.41
